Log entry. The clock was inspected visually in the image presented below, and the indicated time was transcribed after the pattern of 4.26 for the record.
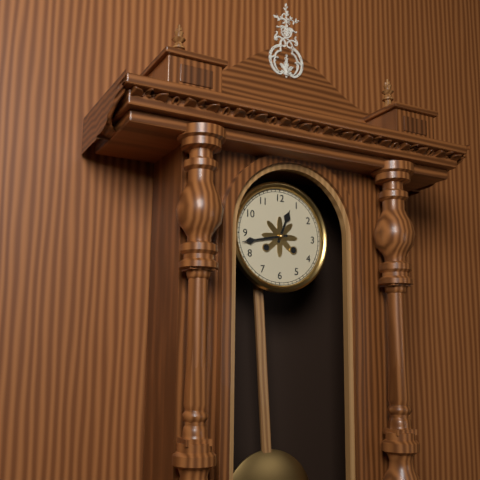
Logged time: 12.43
